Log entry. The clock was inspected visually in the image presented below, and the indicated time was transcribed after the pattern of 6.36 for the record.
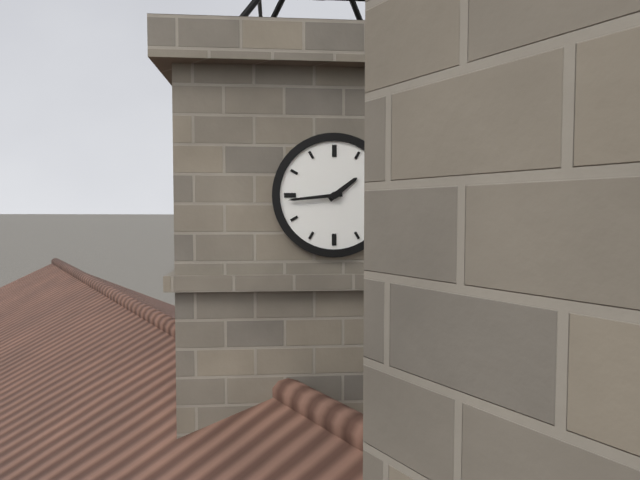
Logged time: 1.44
